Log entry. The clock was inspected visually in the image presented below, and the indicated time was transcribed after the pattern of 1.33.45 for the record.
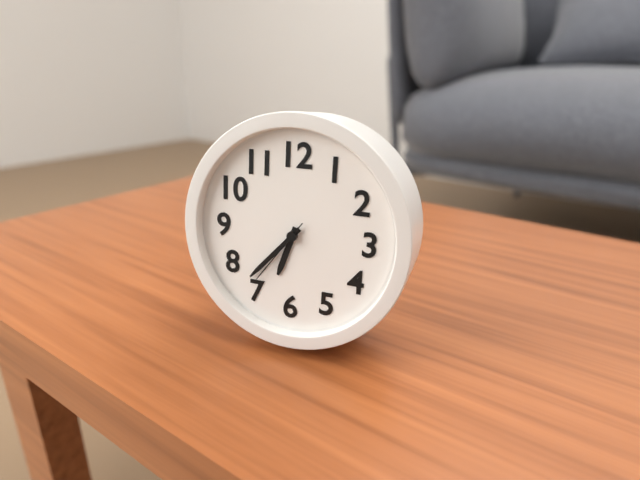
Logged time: 6.37.36
